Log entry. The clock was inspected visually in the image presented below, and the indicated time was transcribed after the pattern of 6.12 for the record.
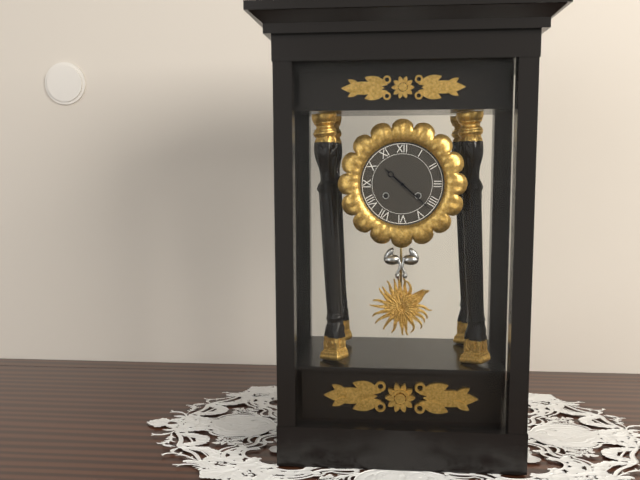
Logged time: 10.22
